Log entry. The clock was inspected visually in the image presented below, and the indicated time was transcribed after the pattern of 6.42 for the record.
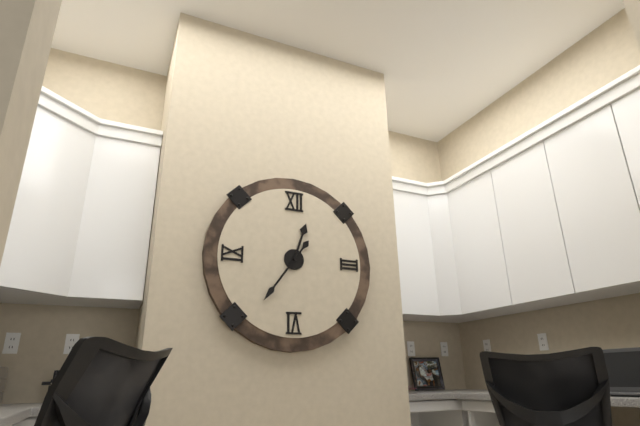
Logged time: 12.36
